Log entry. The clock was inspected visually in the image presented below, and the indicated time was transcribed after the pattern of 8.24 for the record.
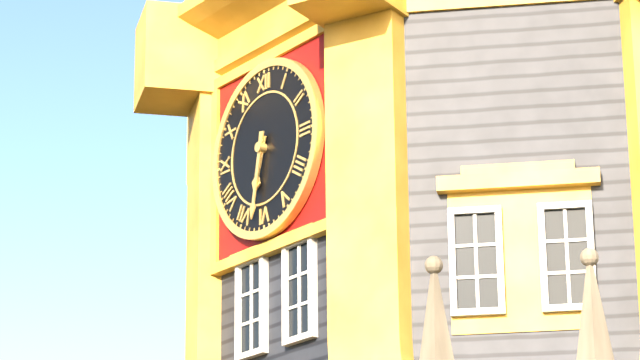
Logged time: 6.32
